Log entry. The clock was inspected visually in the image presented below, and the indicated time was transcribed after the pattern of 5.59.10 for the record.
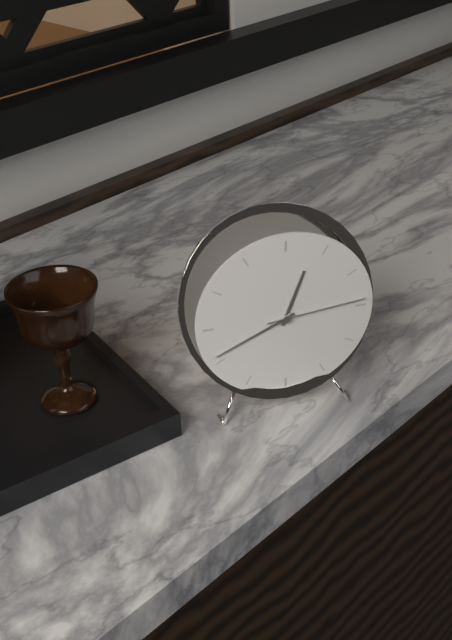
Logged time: 12.41.14
